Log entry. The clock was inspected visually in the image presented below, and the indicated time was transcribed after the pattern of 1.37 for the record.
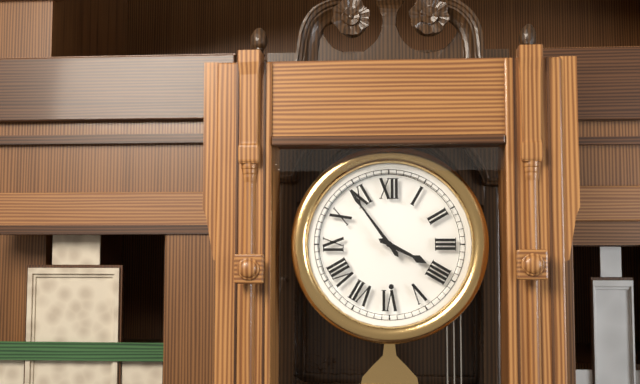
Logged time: 3.54
